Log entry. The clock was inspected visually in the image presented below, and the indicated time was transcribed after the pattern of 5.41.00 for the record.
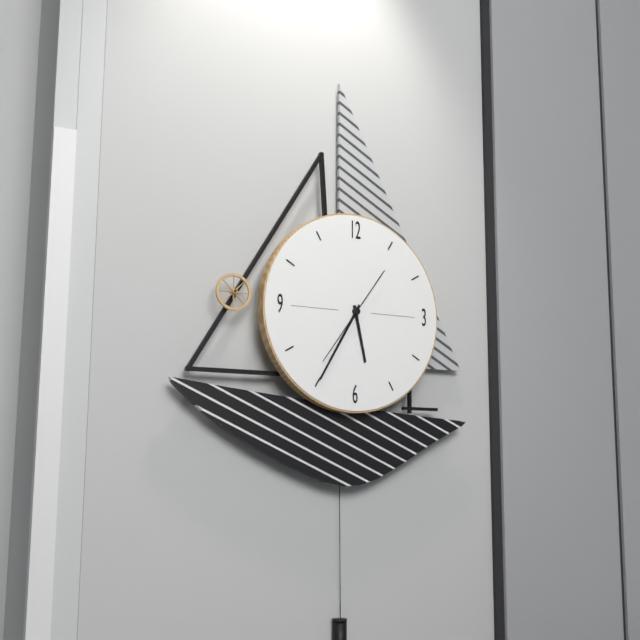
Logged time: 5.35.36
